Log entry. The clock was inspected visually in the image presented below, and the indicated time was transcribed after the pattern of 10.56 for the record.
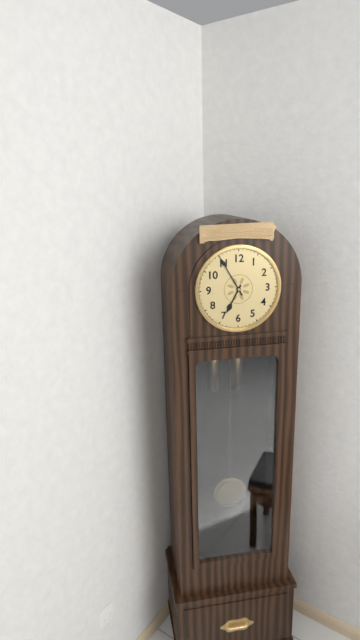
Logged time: 6.55
